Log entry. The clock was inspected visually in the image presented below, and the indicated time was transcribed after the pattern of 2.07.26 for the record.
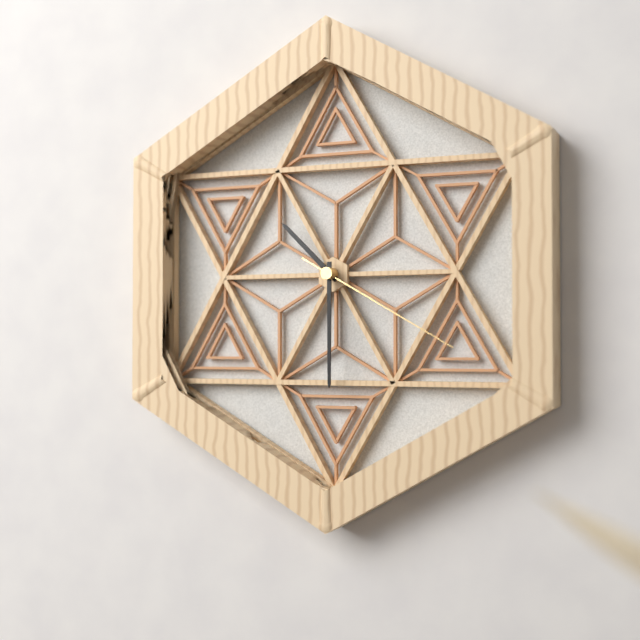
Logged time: 10.30.20
